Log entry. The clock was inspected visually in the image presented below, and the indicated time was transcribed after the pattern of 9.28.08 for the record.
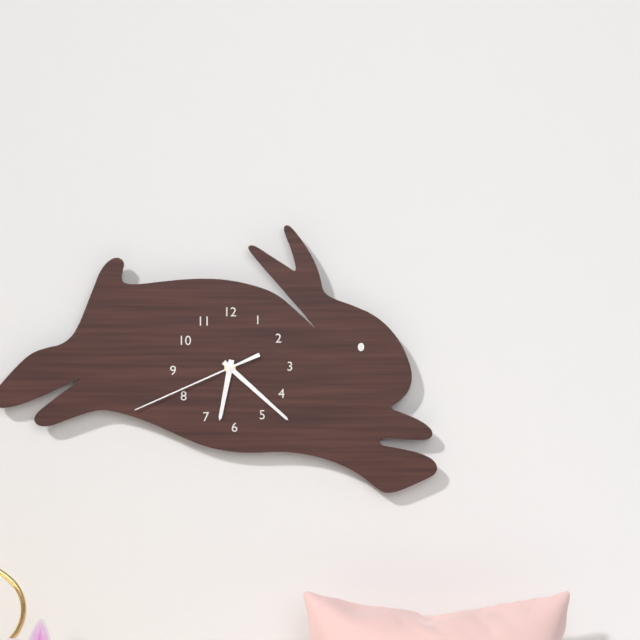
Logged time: 6.22.41
